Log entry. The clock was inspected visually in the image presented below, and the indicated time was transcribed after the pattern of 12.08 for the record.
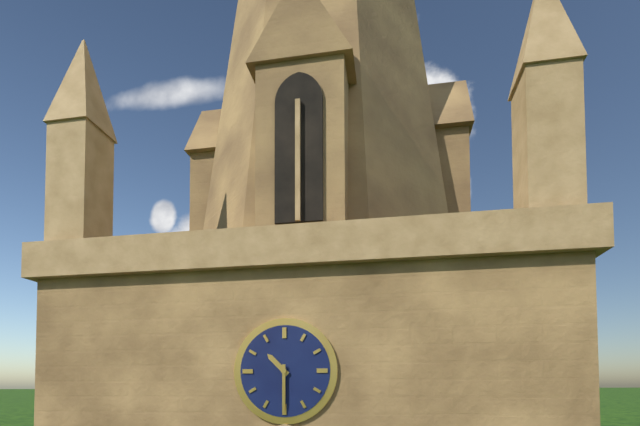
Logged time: 10.30
